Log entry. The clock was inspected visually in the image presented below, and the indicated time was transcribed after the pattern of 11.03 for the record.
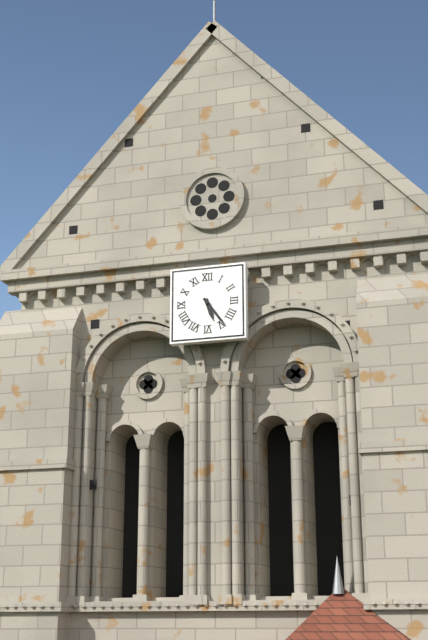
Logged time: 5.24
